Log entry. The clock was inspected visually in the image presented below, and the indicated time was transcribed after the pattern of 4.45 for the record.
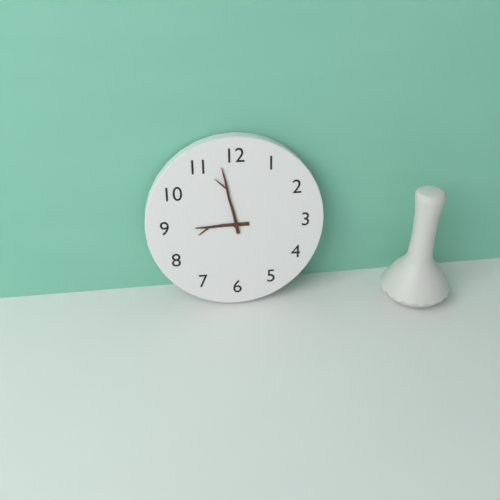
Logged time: 8.58
